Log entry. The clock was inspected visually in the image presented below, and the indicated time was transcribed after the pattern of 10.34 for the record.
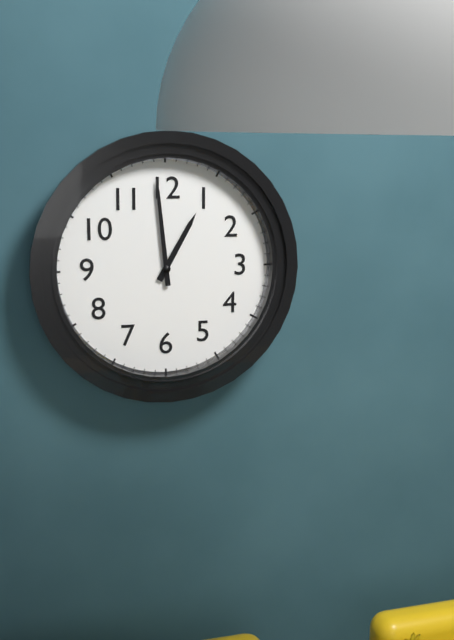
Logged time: 12.59
